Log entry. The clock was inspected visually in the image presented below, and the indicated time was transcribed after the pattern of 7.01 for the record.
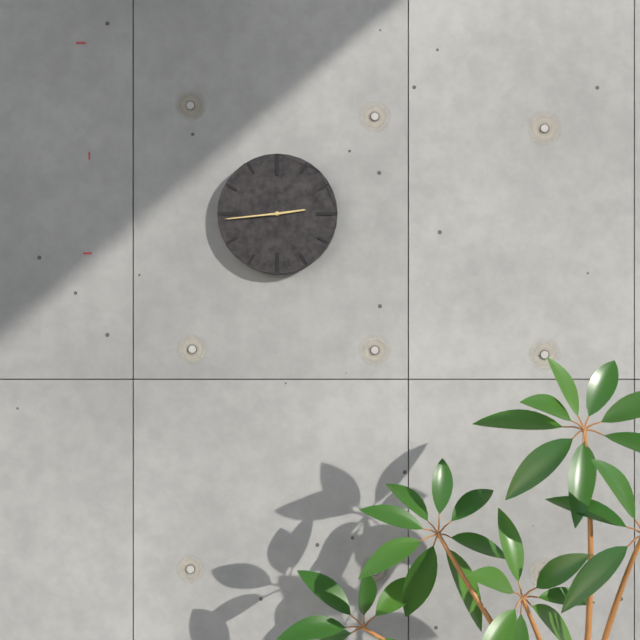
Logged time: 2.44
